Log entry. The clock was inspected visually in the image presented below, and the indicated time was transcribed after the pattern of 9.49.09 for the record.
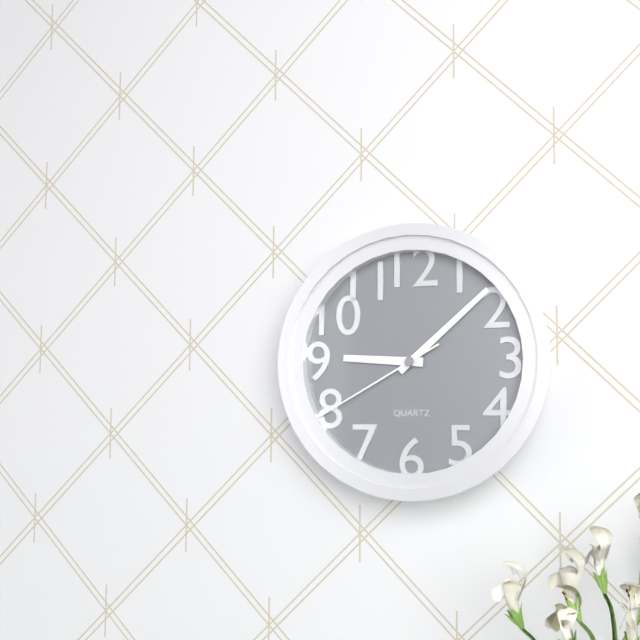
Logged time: 9.08.40
